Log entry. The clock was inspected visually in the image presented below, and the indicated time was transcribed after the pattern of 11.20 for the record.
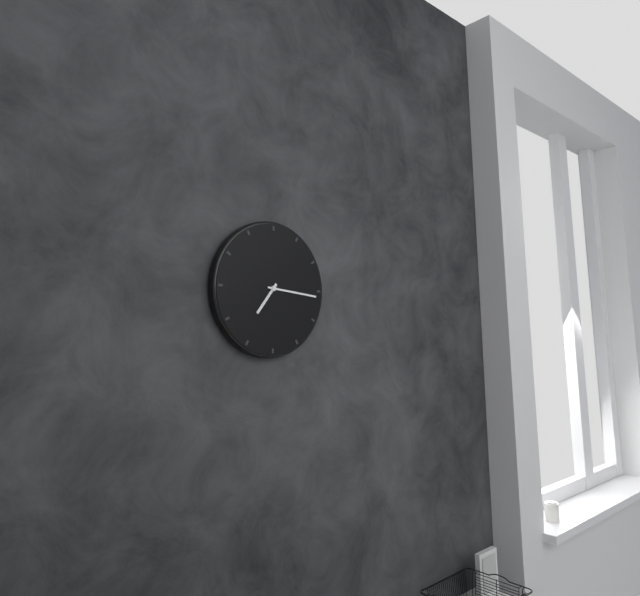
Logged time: 7.16
